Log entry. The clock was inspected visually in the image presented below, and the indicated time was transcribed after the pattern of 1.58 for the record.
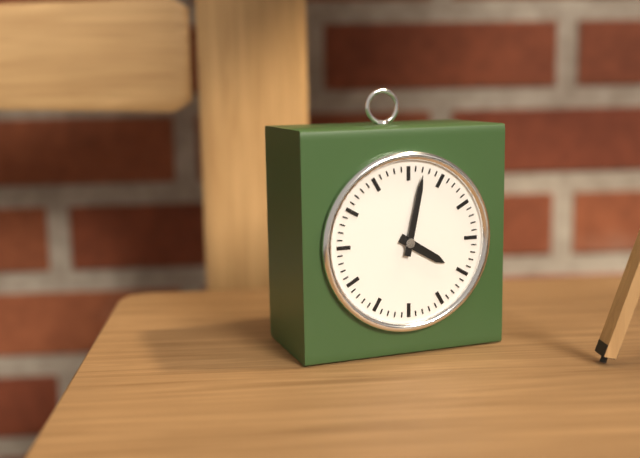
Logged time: 4.02
